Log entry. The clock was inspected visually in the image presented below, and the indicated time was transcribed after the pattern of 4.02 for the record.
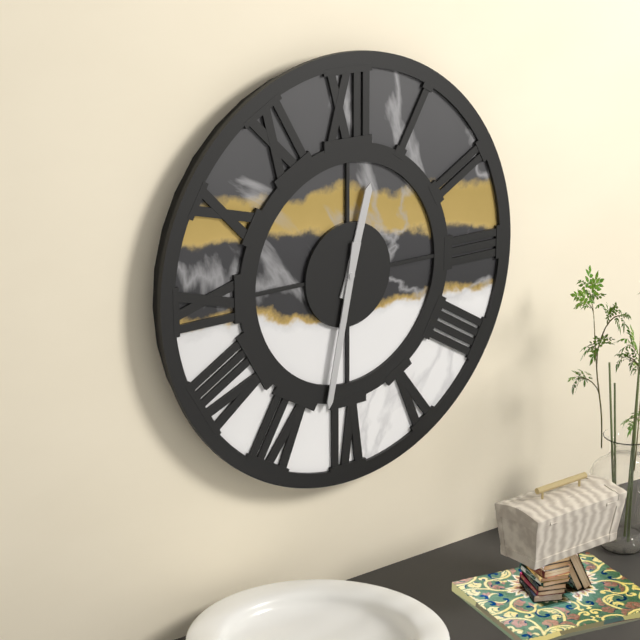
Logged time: 12.32
